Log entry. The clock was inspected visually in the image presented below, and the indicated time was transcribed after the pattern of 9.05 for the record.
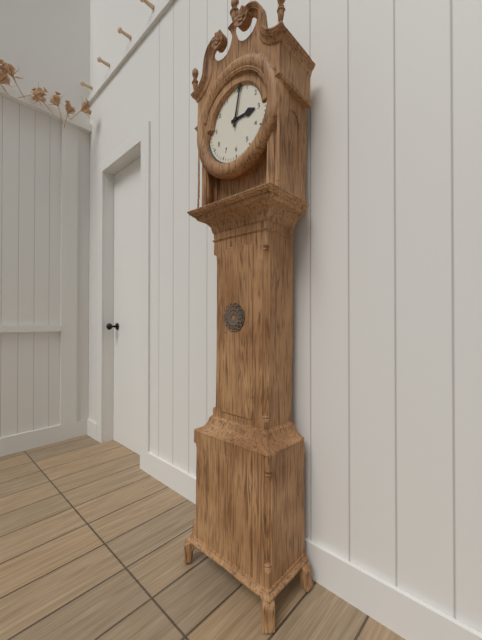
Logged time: 3.02
